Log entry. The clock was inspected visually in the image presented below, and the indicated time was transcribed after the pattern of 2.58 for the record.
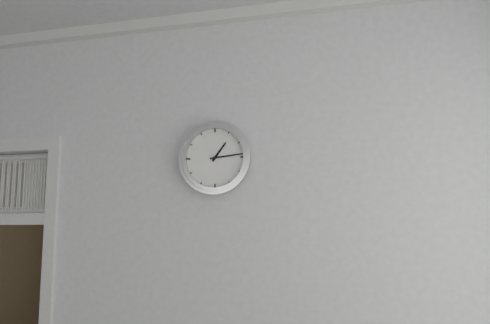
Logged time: 1.14
